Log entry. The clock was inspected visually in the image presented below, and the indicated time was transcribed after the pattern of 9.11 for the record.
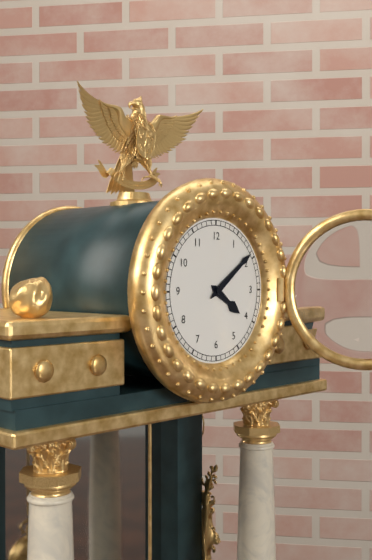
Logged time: 4.09
